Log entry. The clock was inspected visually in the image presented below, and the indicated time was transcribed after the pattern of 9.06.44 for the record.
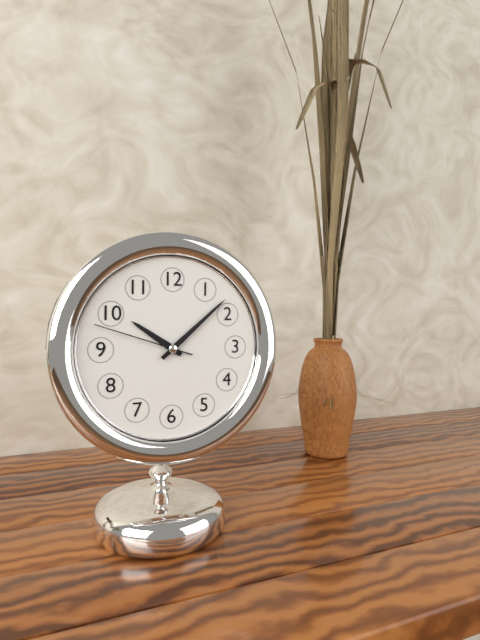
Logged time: 10.08.48
